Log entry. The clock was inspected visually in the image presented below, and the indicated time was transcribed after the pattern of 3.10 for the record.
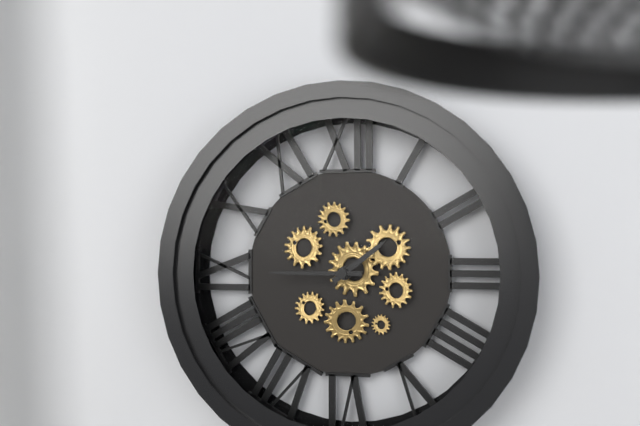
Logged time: 1.45
